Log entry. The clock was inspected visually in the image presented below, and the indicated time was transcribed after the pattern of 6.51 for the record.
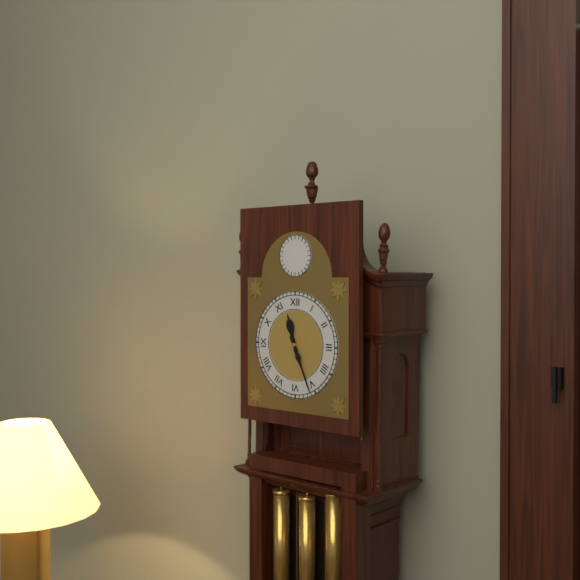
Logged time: 11.26
